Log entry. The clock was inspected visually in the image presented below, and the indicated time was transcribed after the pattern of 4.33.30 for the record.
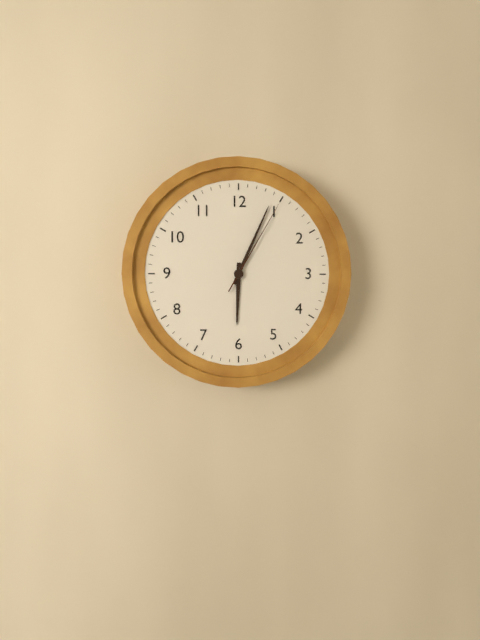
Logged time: 6.04.05
